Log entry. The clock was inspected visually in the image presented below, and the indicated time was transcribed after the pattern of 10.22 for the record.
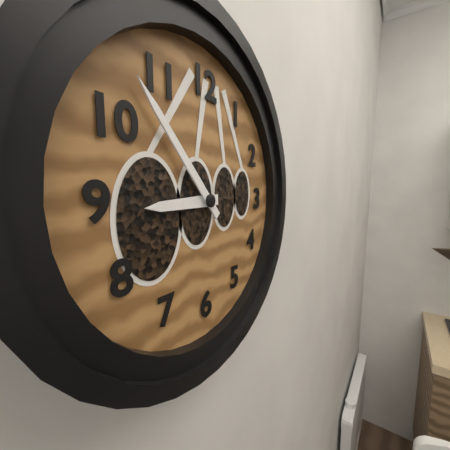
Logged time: 8.53
